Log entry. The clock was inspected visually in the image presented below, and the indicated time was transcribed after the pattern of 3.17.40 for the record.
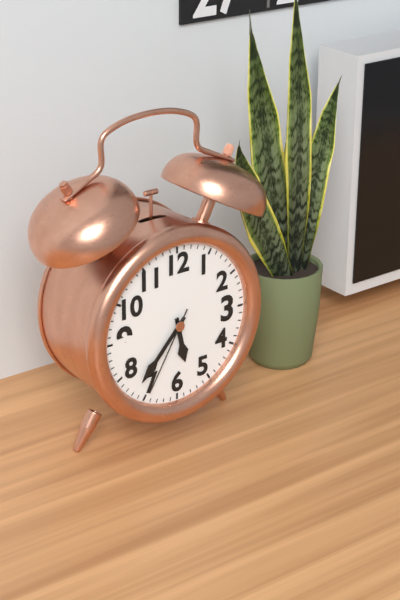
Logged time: 5.37.35
